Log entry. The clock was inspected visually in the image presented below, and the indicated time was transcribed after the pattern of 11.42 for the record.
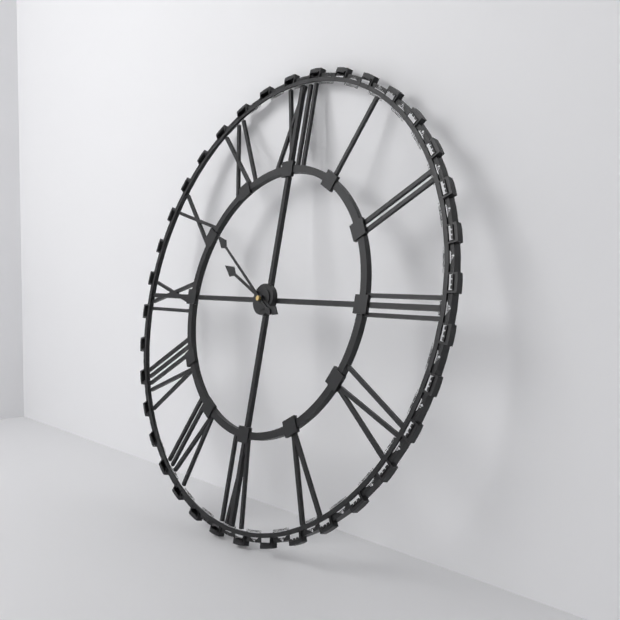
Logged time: 9.51
